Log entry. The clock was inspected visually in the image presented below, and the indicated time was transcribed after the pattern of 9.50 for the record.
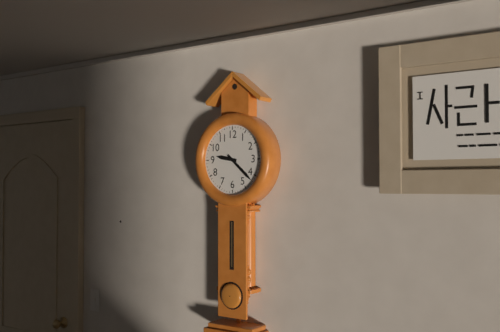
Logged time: 9.22
